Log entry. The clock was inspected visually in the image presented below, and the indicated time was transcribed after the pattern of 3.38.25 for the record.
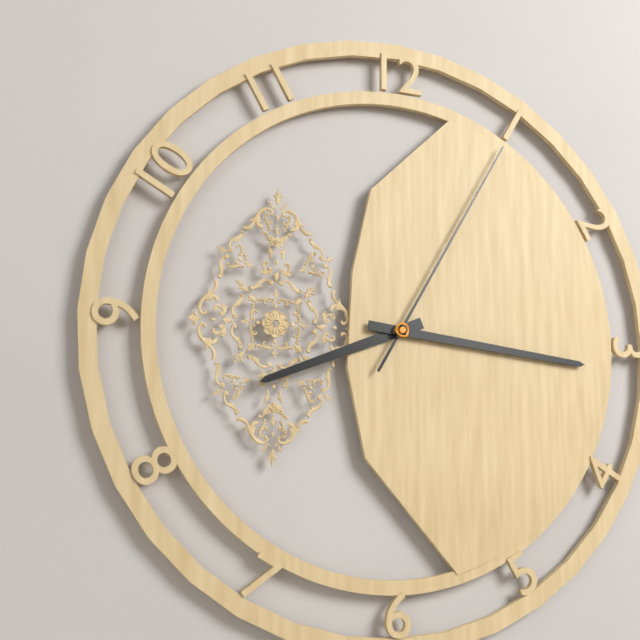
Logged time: 8.16.05
